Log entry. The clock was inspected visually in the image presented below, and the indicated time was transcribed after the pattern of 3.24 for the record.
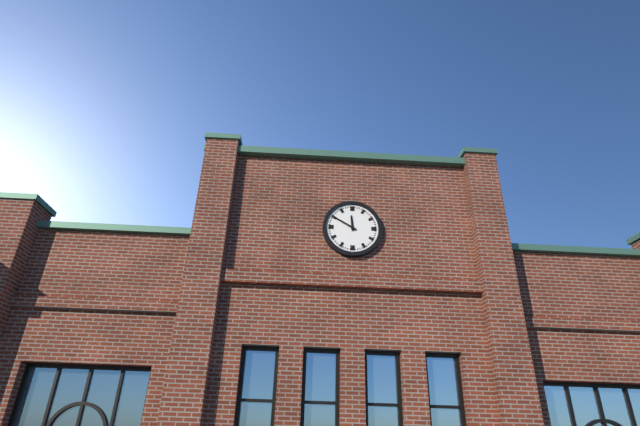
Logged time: 11.50
